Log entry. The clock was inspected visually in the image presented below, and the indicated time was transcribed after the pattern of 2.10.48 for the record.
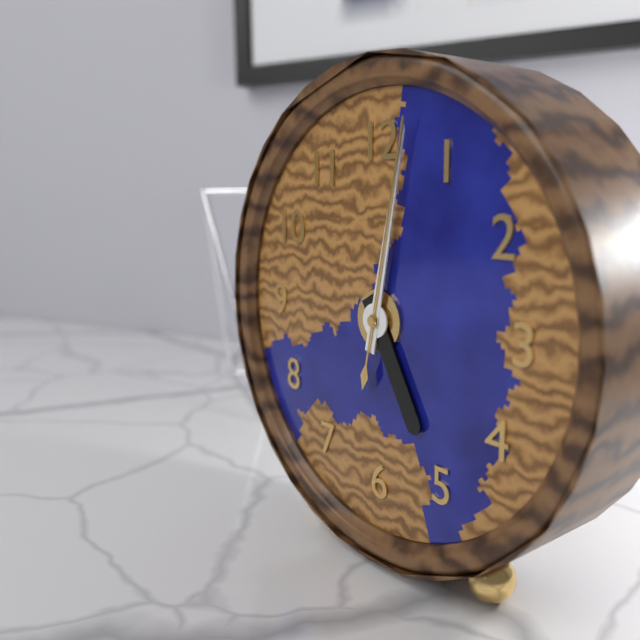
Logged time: 5.02.02
